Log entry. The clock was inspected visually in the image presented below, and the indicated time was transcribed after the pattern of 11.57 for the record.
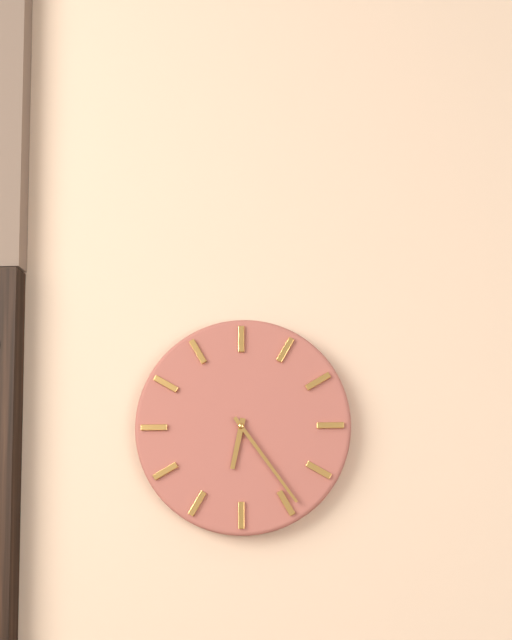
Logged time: 6.24
